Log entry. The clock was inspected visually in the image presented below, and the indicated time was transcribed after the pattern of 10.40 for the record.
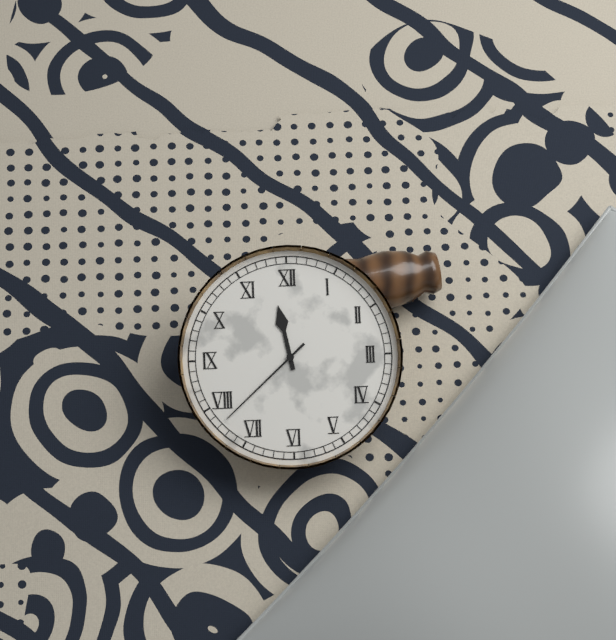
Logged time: 11.38
